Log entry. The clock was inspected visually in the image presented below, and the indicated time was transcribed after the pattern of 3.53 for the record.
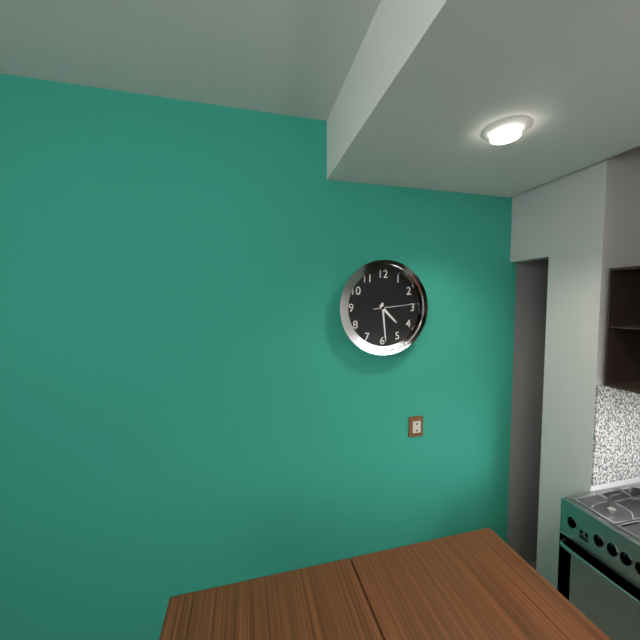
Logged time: 4.29
